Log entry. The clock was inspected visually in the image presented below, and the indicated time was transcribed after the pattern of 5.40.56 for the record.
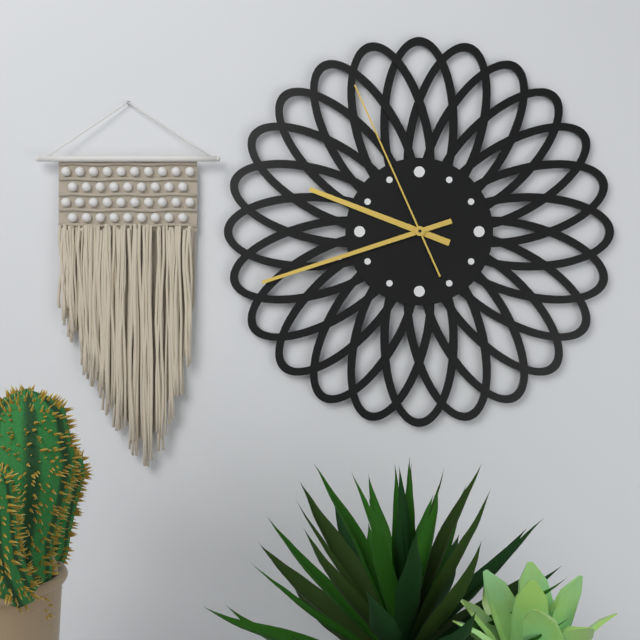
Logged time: 9.42.56
